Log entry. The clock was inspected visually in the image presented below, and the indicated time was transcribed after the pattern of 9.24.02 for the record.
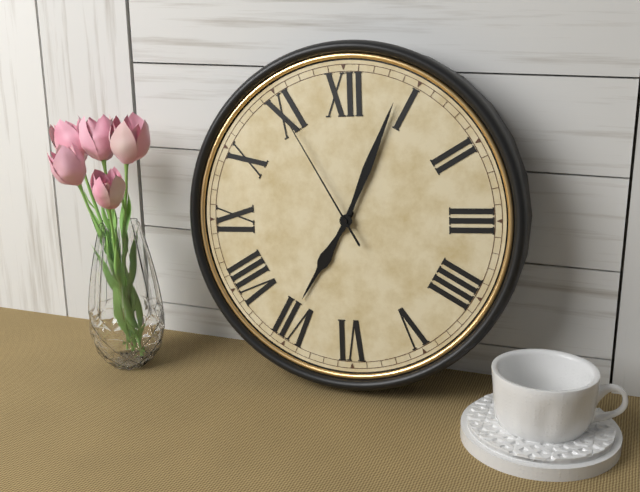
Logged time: 7.04.55
